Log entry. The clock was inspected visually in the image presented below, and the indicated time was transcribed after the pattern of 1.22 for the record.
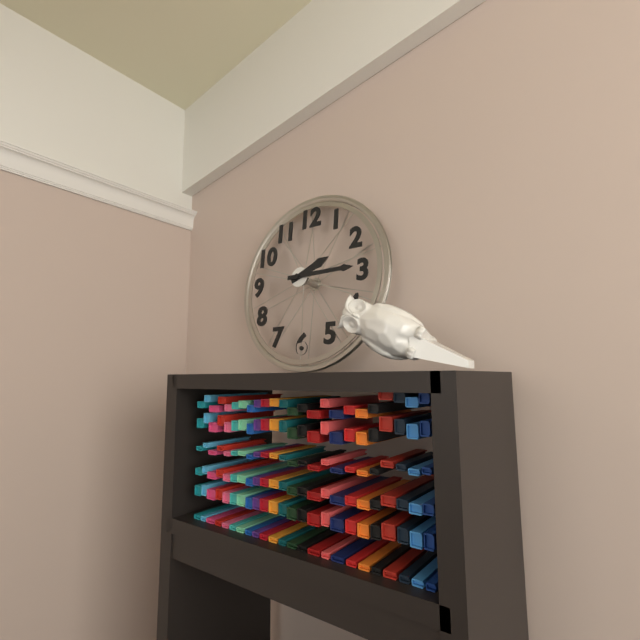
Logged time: 2.15
